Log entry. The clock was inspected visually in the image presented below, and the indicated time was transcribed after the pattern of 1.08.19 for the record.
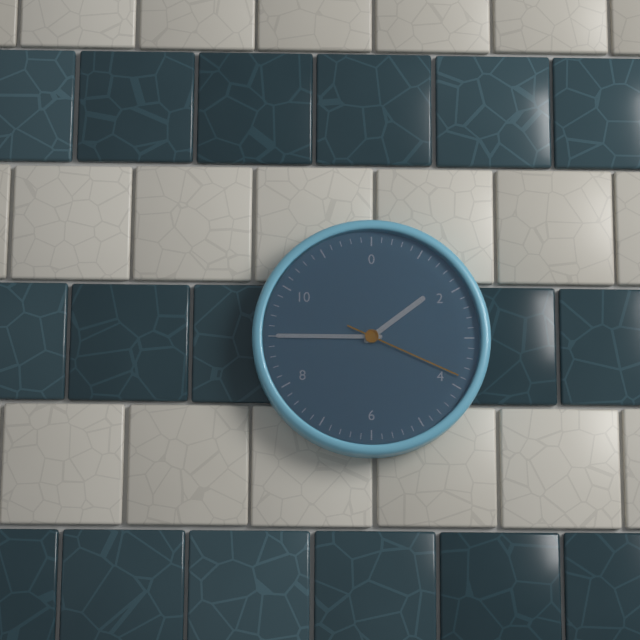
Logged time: 1.45.19
